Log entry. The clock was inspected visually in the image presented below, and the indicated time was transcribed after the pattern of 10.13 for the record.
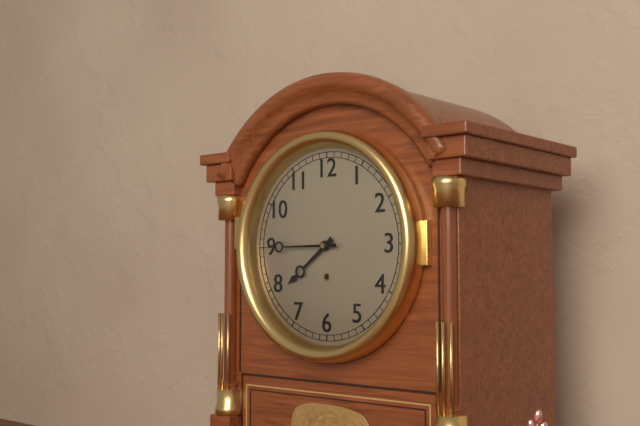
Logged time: 7.45
